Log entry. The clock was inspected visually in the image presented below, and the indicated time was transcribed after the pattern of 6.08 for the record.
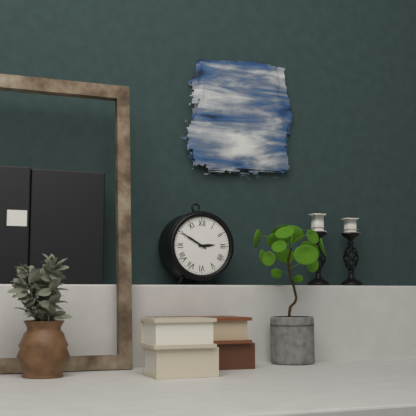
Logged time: 2.50
